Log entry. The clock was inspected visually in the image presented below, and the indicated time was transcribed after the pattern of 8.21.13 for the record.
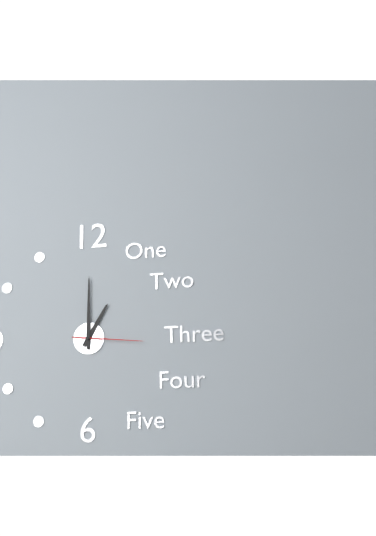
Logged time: 1.00.16
